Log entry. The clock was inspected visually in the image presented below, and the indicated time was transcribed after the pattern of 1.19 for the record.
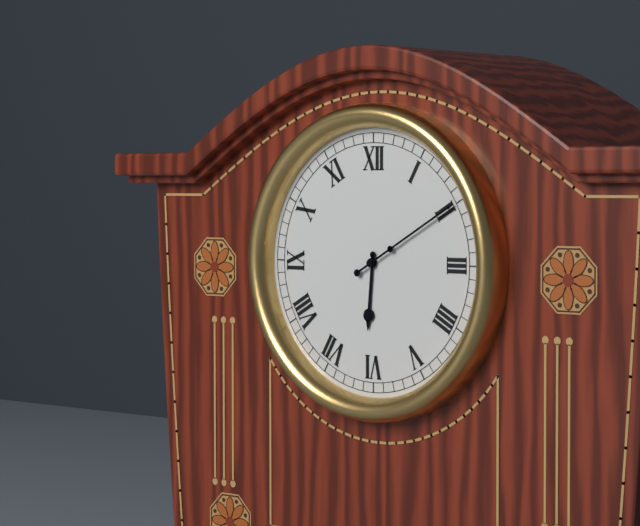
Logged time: 6.10
